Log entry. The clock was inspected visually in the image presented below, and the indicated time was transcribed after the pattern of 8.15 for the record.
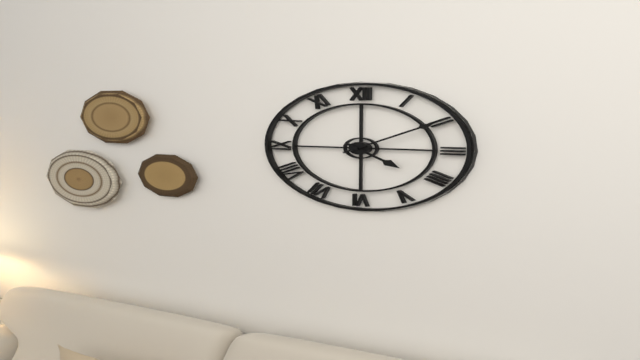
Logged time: 4.10
